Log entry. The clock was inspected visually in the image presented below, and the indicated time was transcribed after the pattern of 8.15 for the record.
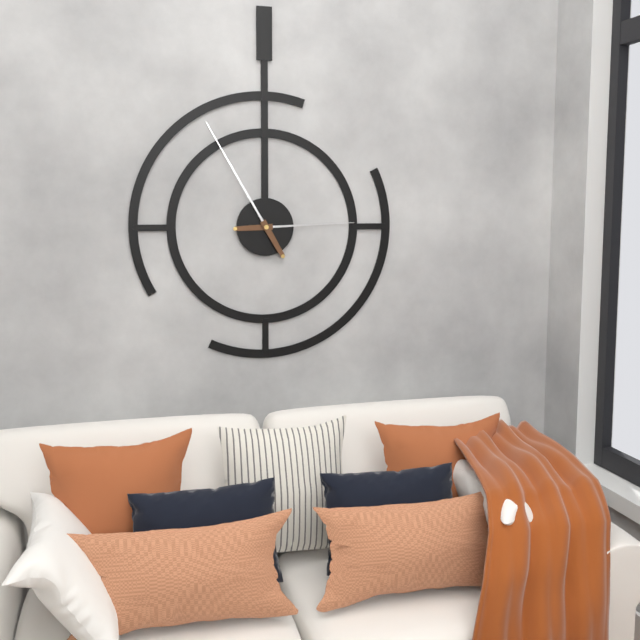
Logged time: 2.55
